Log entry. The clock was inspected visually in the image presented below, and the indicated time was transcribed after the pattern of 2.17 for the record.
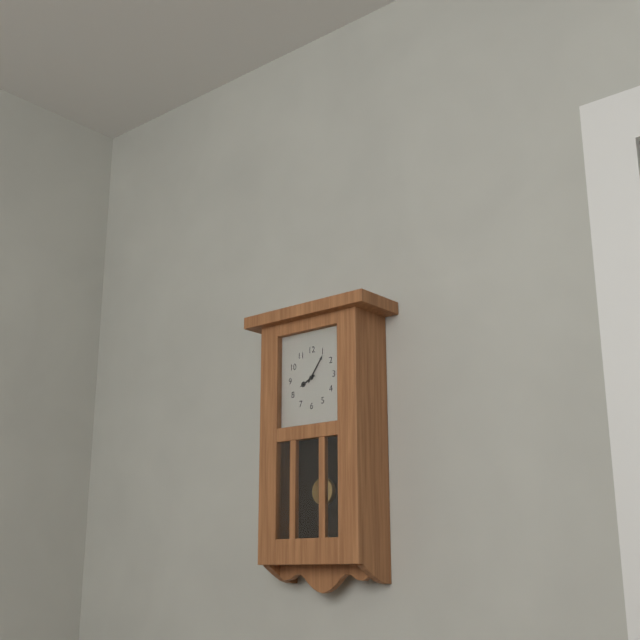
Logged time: 8.06
